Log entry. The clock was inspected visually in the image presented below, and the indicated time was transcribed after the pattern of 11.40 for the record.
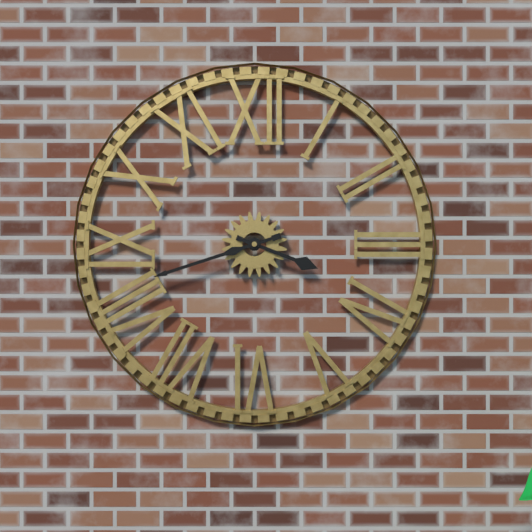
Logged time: 3.42
